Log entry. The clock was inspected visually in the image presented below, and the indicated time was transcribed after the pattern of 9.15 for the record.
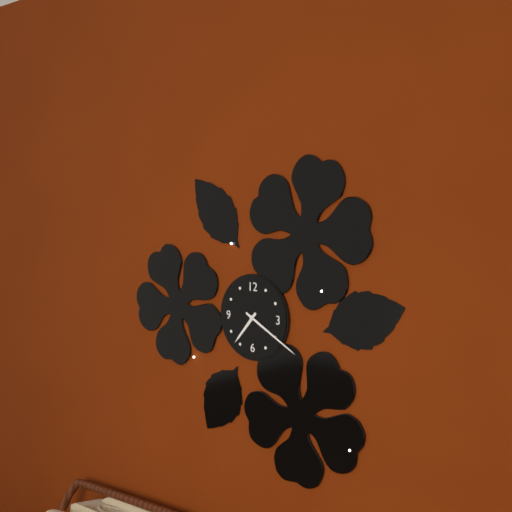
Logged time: 7.20
